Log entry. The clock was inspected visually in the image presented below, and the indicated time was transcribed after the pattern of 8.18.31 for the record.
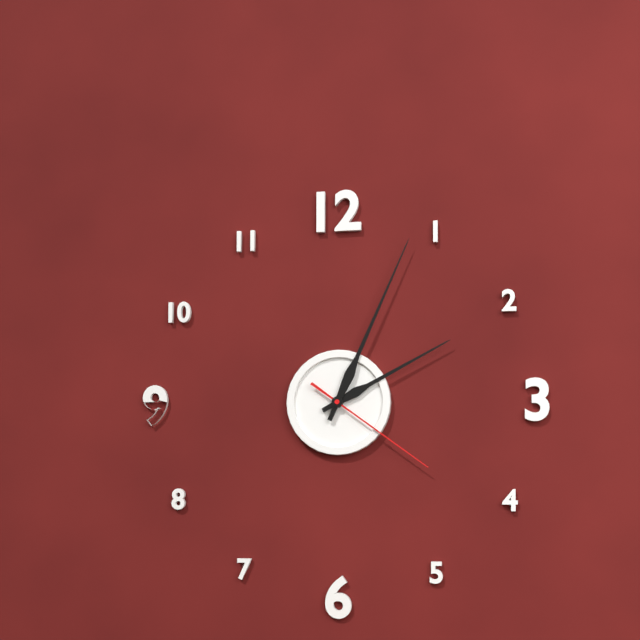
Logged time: 2.04.21
